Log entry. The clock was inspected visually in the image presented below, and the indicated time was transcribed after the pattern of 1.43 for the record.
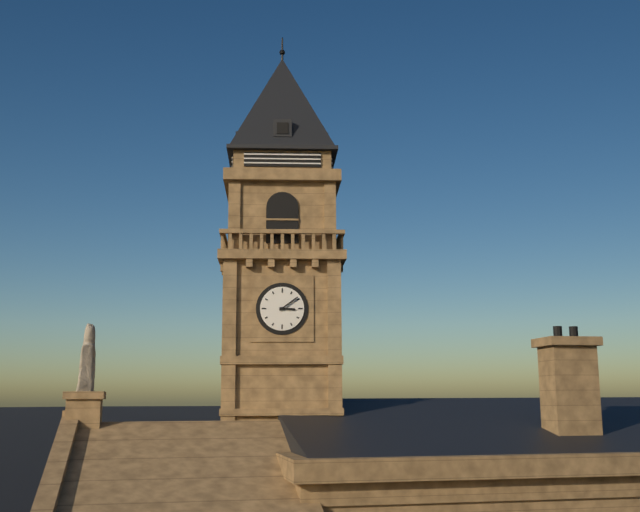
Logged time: 3.09
